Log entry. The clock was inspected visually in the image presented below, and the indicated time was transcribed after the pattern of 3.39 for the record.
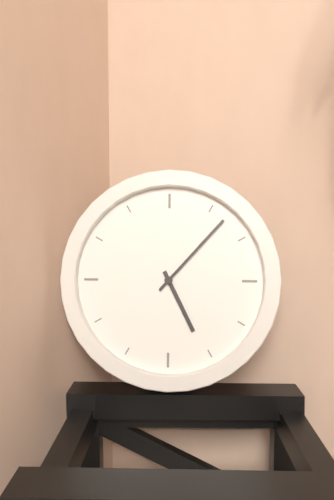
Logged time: 5.07
